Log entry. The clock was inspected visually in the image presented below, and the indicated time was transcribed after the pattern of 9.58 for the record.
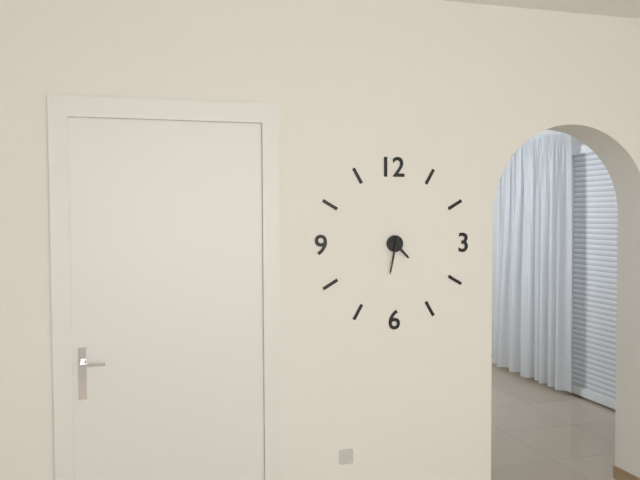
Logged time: 4.32
